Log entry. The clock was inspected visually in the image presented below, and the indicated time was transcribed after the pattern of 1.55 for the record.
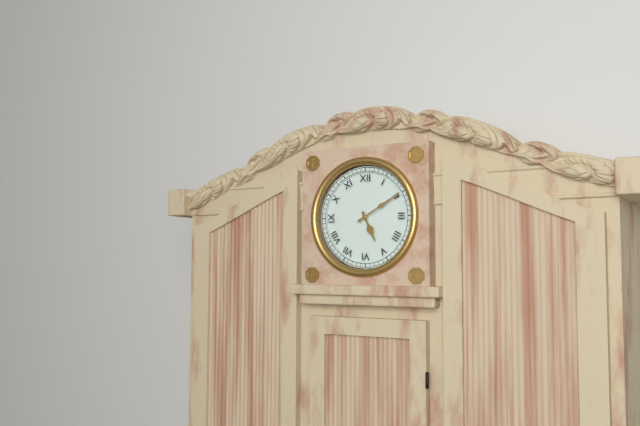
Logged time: 5.10
